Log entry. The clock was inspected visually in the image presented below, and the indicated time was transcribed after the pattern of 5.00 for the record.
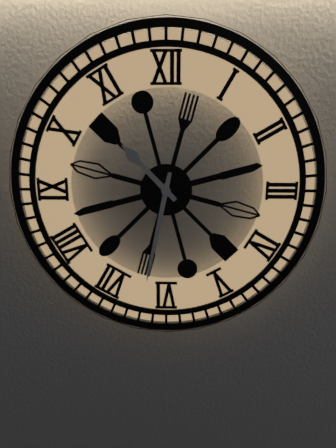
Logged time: 10.32
